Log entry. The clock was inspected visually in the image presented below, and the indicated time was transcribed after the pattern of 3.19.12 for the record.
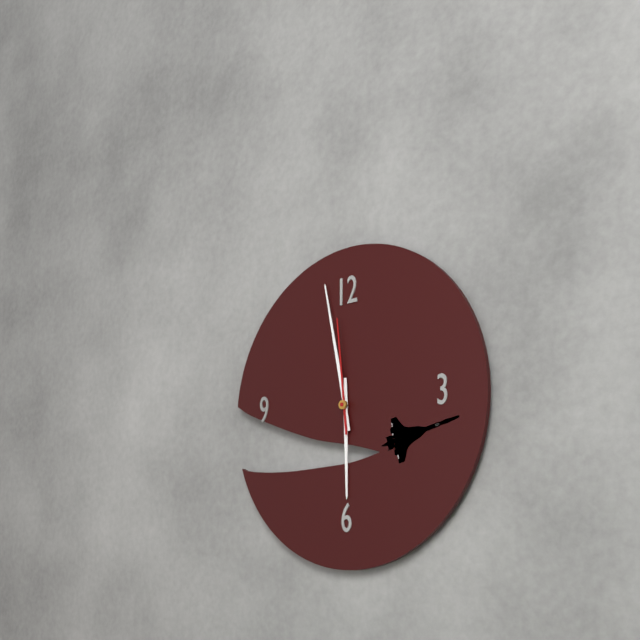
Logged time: 5.58.59
